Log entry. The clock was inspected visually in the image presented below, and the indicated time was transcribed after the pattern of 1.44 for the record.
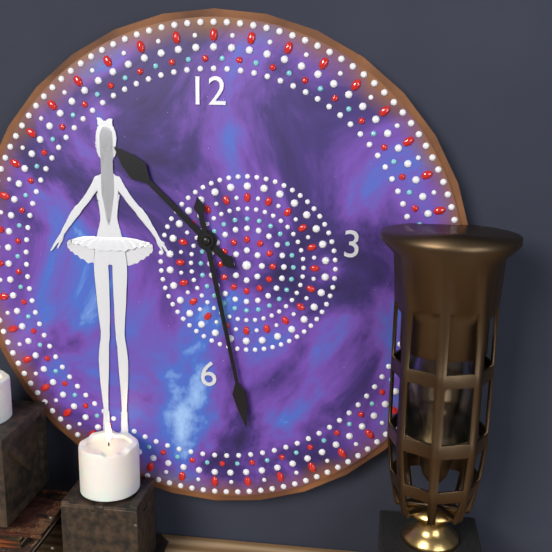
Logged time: 10.28
